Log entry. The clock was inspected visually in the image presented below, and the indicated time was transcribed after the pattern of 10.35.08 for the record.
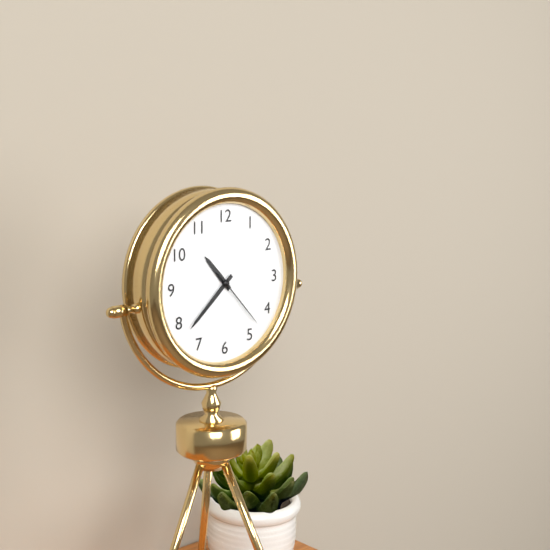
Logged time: 10.38.23
